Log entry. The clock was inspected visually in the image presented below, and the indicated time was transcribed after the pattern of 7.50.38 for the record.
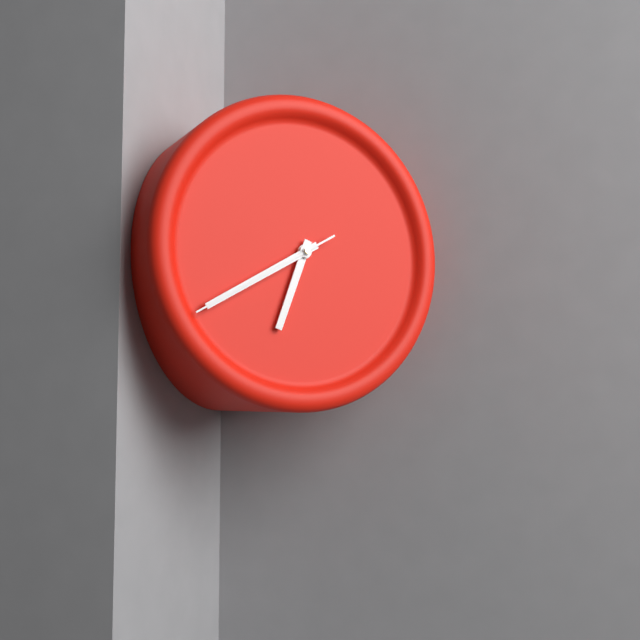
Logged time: 6.40.40
